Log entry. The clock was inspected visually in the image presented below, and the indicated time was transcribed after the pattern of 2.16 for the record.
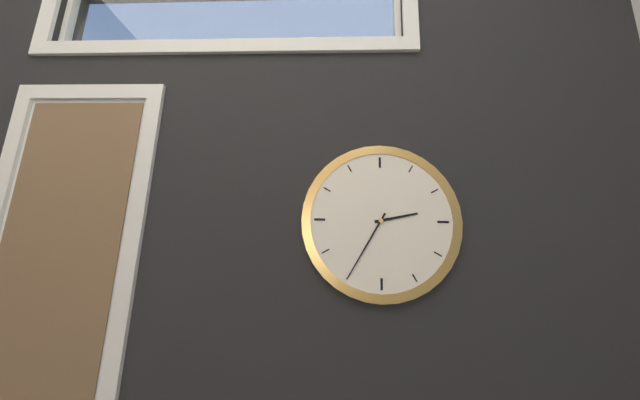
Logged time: 2.35
